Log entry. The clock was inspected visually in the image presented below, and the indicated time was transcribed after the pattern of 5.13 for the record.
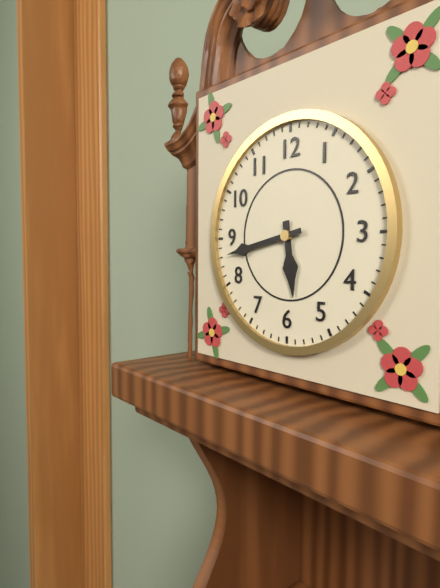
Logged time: 5.43
